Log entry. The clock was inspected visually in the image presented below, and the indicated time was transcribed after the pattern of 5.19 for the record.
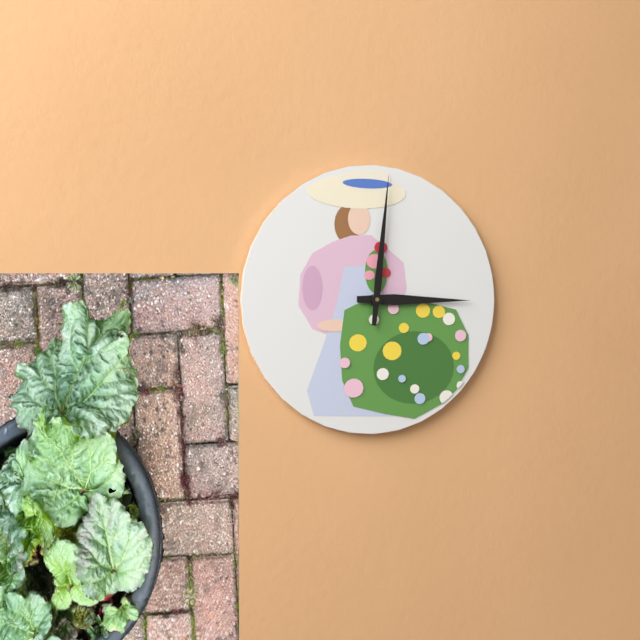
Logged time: 3.01
